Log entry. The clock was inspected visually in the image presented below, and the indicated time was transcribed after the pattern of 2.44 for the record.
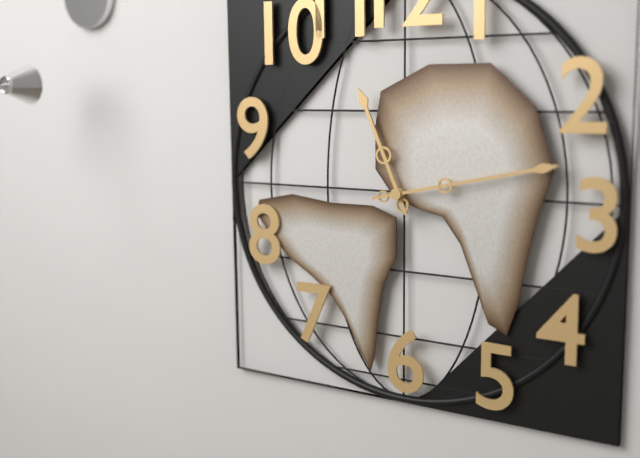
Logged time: 11.13
